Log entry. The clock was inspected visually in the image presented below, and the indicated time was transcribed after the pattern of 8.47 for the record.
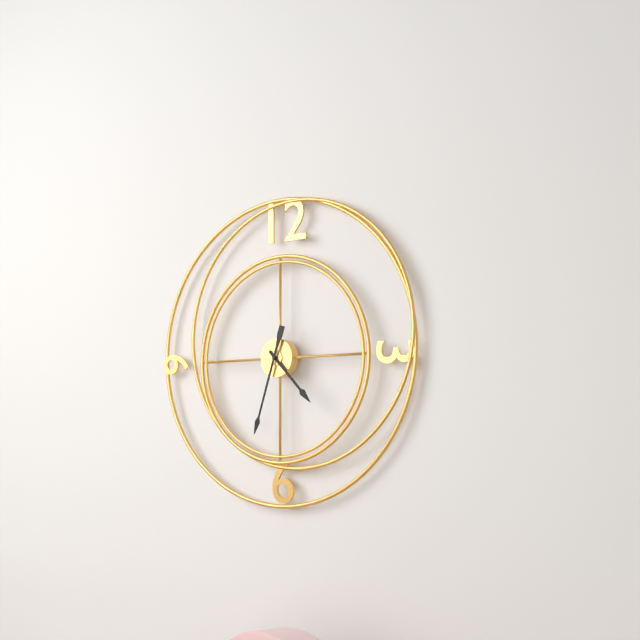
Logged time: 4.33
